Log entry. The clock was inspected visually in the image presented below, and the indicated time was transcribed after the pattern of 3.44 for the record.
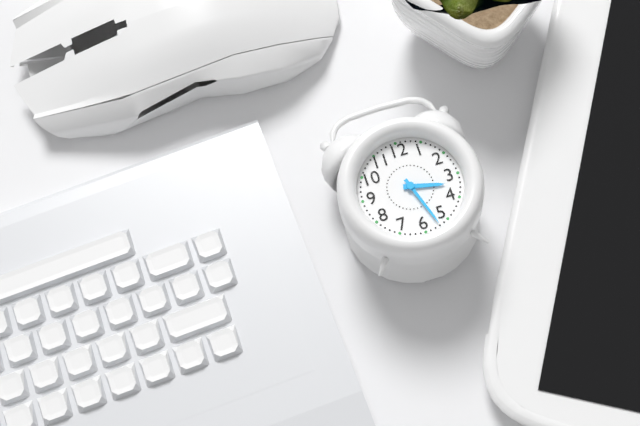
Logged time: 3.27
